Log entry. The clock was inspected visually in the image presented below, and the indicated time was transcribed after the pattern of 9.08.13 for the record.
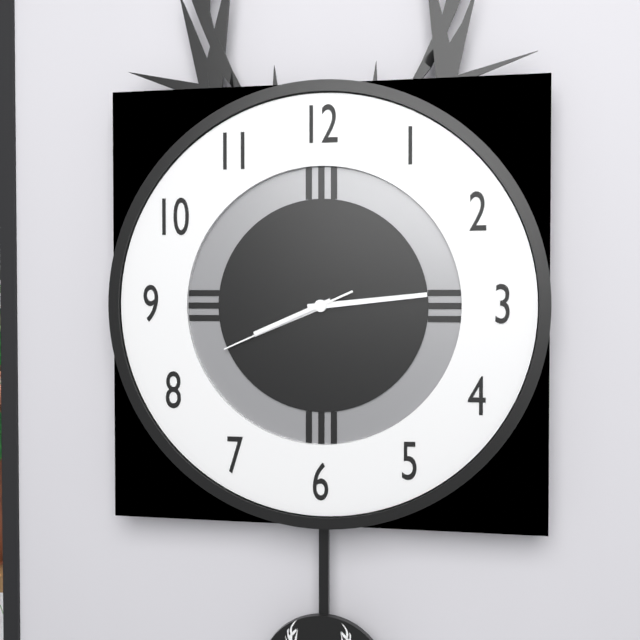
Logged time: 8.14.41
